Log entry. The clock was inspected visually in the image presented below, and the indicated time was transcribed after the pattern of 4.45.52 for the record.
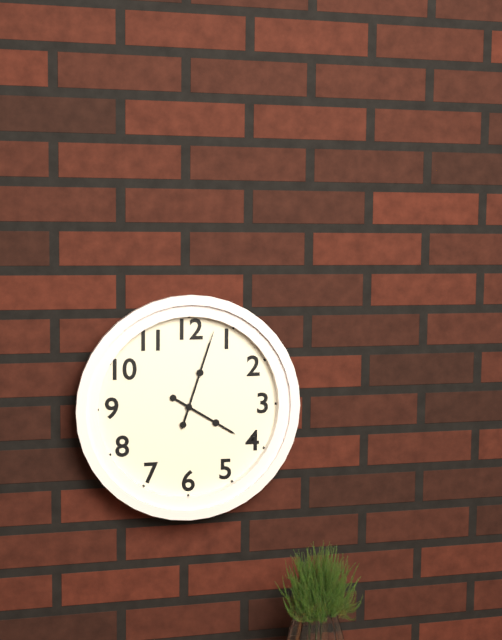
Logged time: 4.03.03
